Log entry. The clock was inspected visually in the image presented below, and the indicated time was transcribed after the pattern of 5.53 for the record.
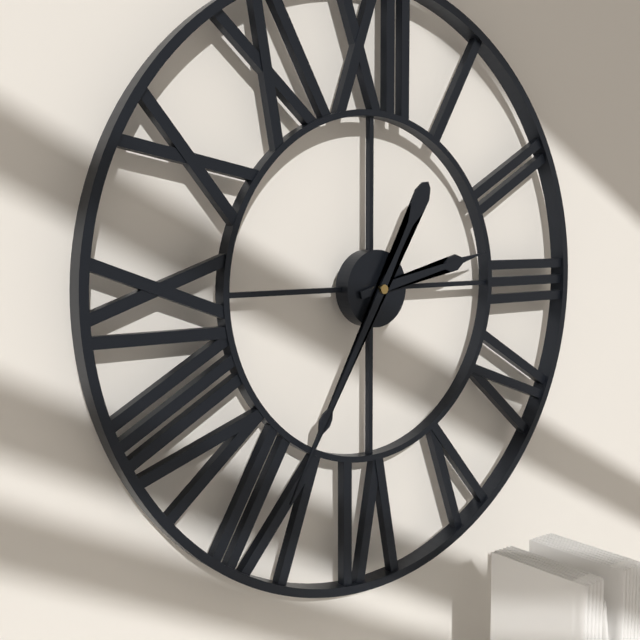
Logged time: 2.35
